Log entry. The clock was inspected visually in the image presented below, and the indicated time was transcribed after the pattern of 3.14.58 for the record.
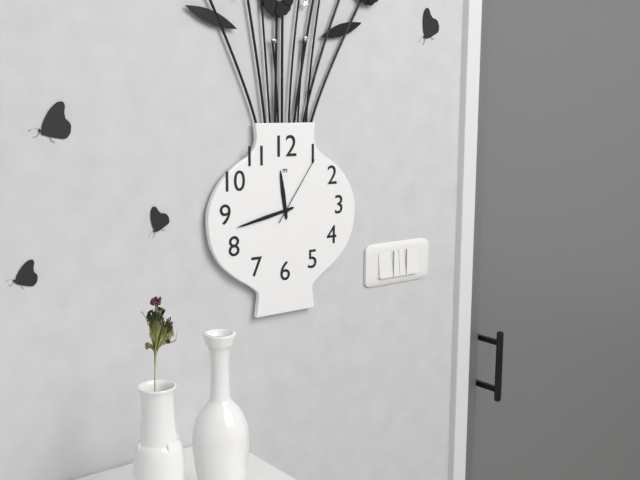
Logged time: 11.43.06
